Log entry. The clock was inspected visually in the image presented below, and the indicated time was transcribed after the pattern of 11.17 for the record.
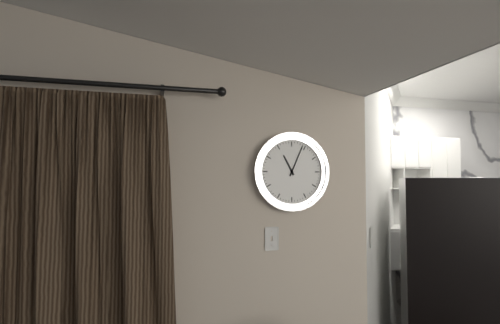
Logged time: 11.04
